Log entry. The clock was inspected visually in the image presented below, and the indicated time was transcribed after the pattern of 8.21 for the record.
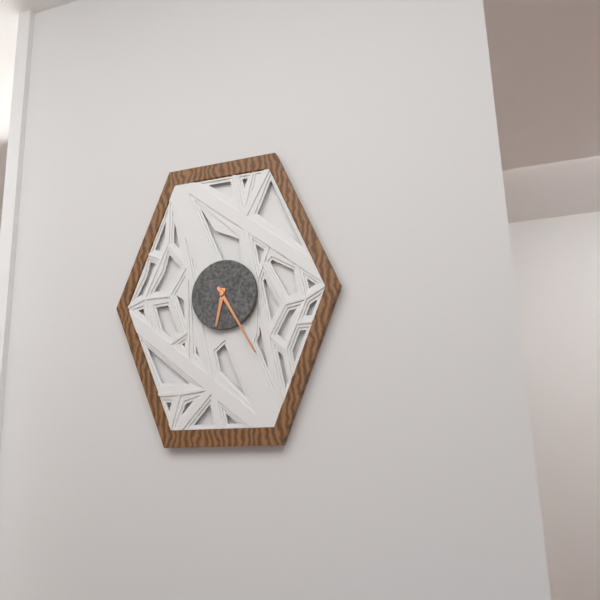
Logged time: 6.25
